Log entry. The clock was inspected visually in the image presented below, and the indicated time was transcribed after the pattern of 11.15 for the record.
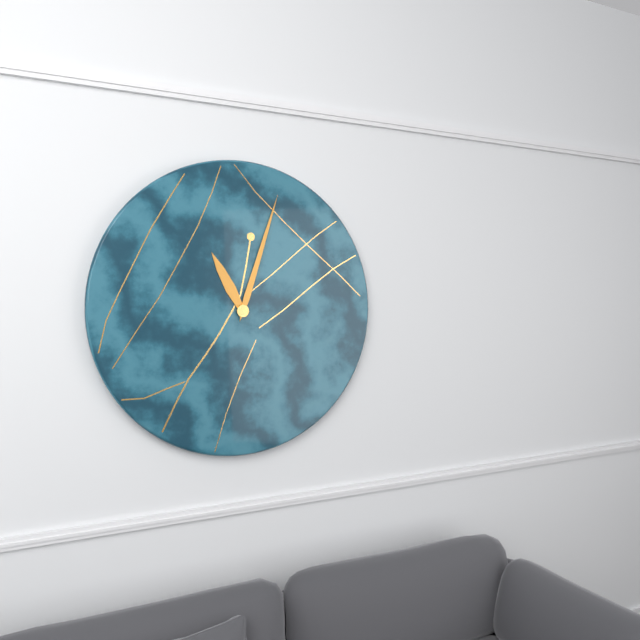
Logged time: 11.03
